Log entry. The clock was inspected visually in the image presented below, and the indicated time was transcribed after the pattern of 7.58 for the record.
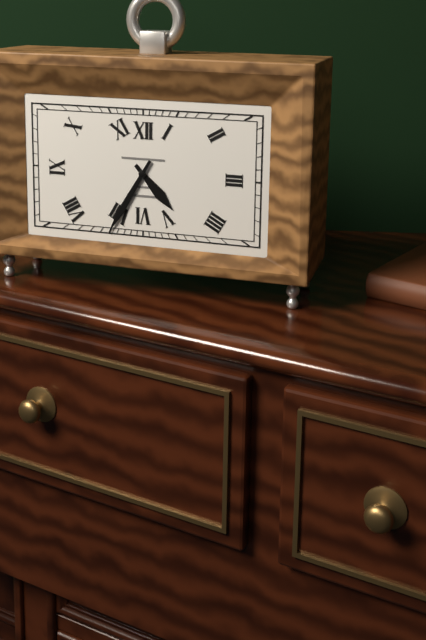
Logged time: 4.35
